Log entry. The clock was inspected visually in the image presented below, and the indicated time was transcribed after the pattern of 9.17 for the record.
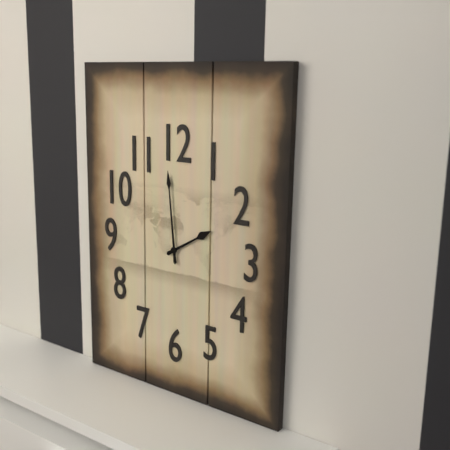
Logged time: 1.59
